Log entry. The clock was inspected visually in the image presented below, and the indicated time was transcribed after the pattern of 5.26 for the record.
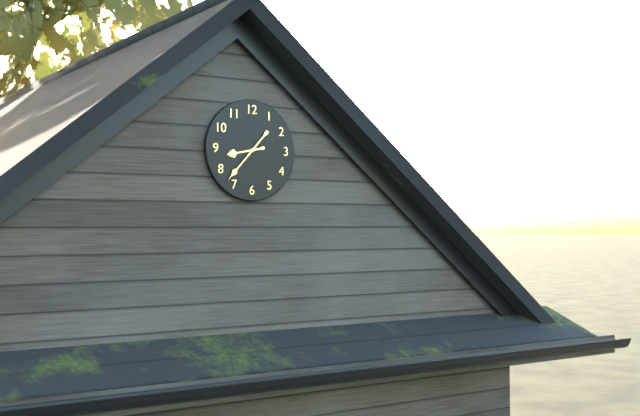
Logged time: 8.37
